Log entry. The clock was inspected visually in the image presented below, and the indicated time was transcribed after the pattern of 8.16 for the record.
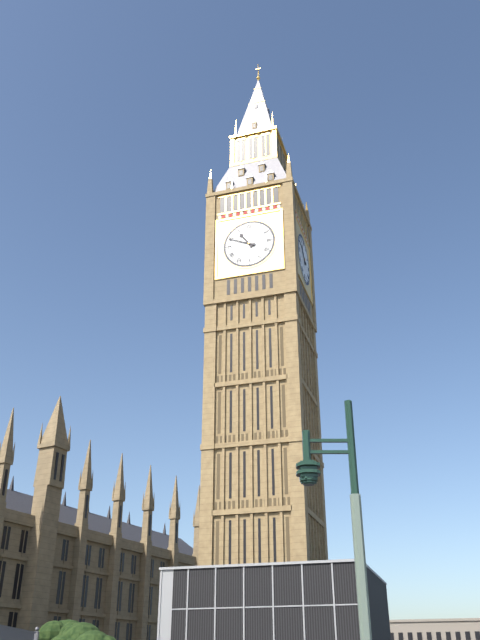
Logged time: 10.49
